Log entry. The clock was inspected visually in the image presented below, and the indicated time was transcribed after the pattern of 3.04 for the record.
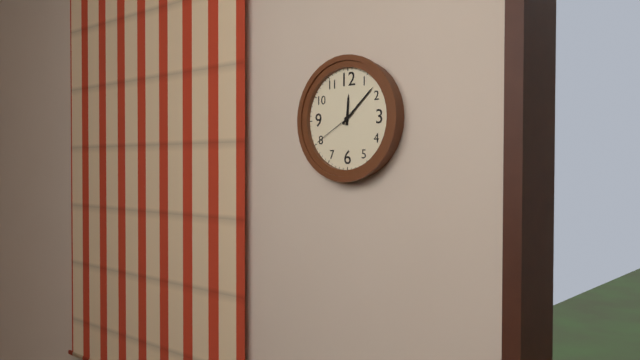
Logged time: 12.08
